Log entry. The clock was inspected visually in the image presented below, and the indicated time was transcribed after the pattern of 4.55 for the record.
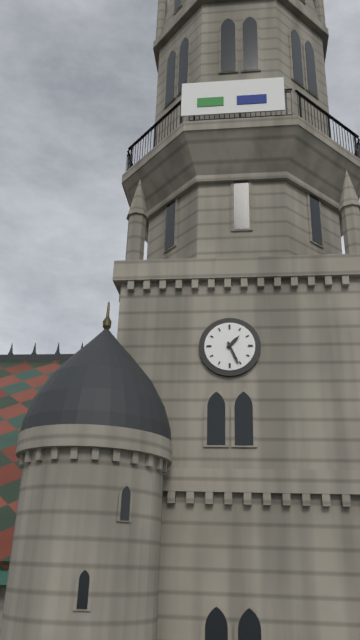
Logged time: 1.26
